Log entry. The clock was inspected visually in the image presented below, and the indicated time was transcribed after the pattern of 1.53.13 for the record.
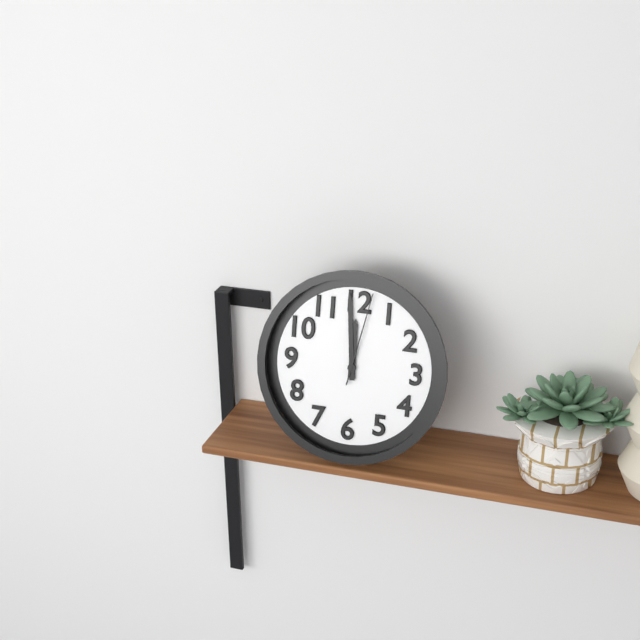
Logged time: 11.59.02
